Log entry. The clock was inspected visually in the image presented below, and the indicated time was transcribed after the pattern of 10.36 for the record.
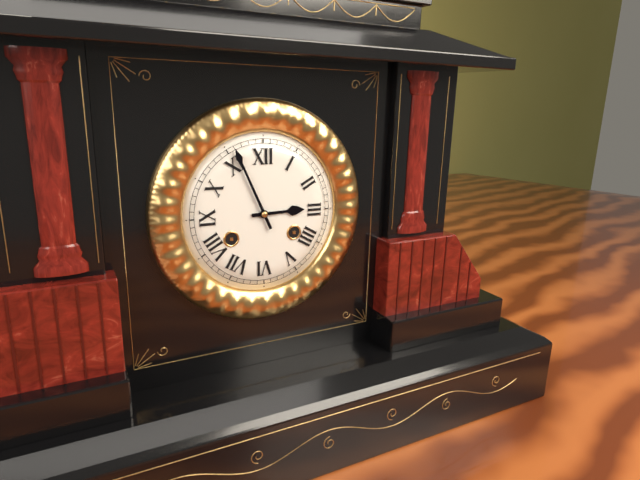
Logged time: 2.56
